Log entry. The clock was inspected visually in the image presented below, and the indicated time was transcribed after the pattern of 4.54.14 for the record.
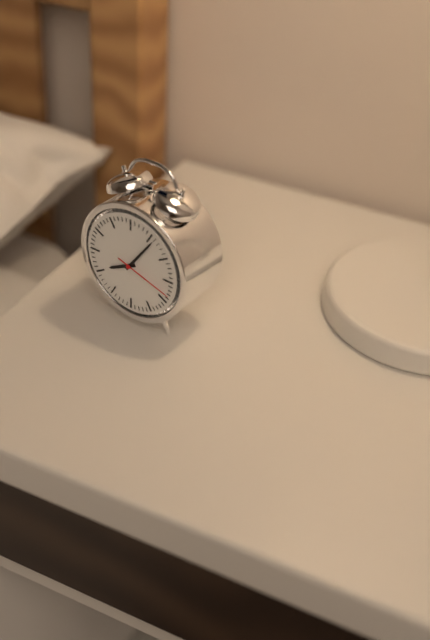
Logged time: 8.06.18
